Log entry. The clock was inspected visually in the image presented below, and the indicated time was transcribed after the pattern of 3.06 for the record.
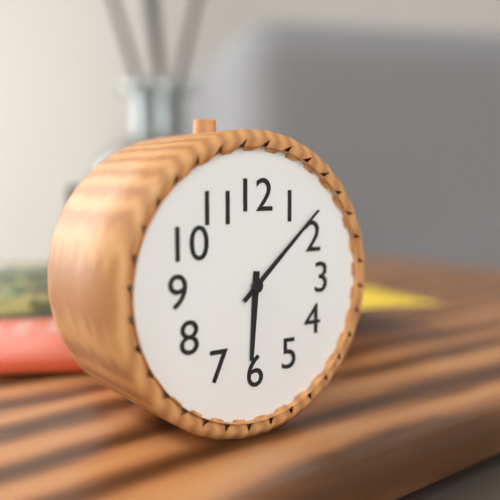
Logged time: 6.08
